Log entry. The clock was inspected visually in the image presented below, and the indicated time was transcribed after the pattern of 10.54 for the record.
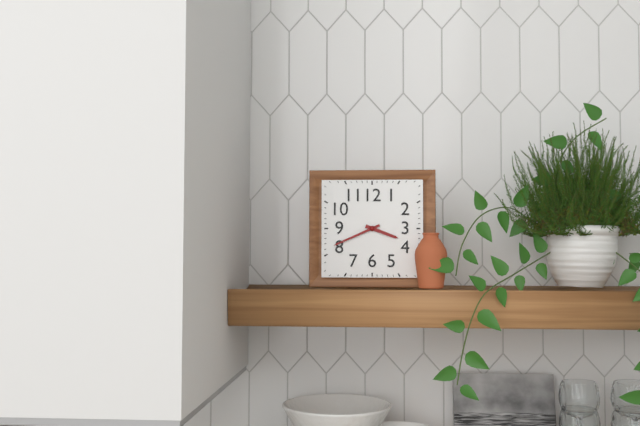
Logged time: 3.41
